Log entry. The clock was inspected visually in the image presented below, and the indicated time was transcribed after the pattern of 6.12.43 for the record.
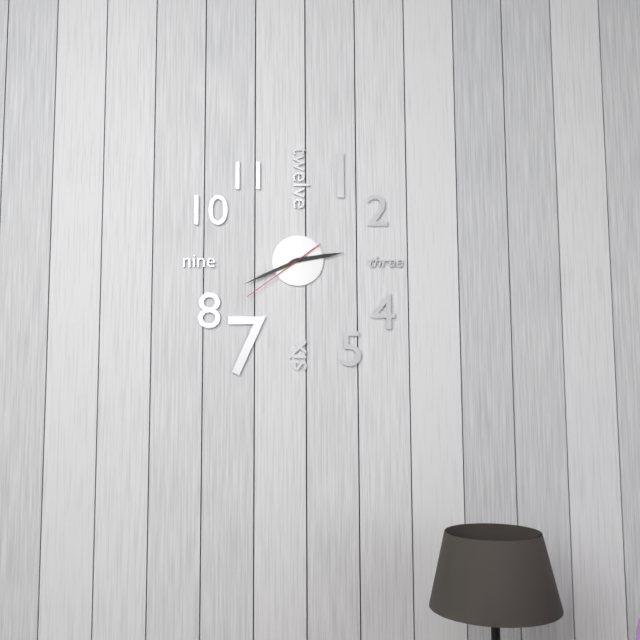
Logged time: 2.41.39
